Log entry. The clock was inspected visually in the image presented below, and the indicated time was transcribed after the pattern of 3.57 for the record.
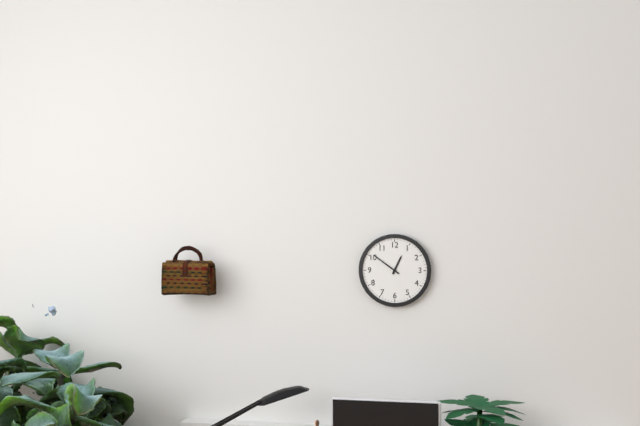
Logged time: 12.51
